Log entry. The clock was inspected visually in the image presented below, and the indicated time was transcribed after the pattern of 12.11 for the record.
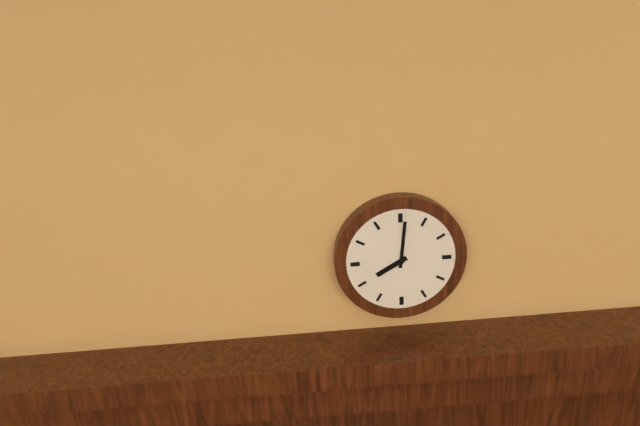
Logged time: 8.01
